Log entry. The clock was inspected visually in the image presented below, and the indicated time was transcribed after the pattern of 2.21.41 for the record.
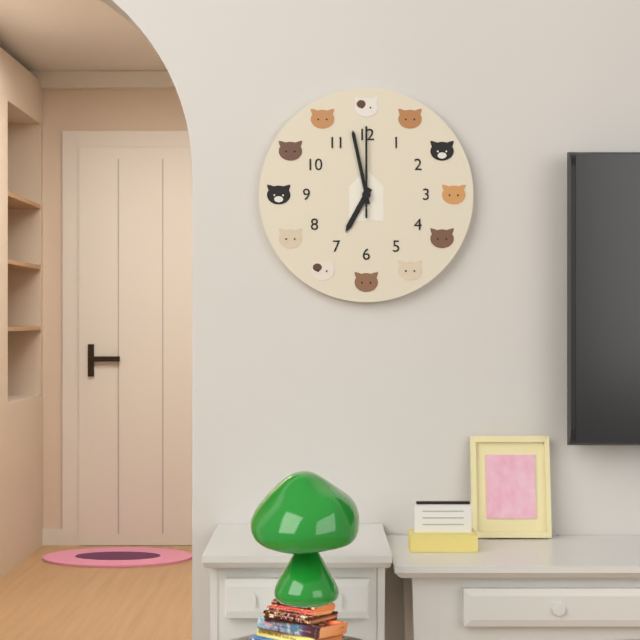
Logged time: 6.58.00
